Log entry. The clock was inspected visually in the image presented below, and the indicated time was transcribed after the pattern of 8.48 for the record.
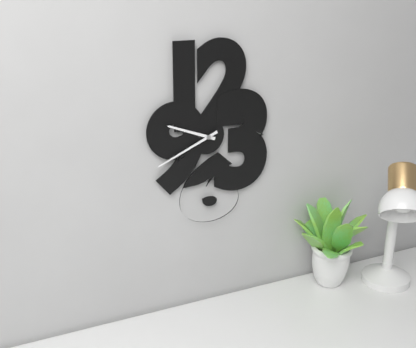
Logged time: 9.41
